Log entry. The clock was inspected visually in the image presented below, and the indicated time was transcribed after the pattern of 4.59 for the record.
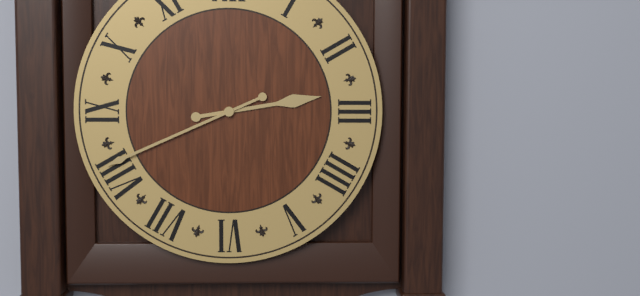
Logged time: 2.41
